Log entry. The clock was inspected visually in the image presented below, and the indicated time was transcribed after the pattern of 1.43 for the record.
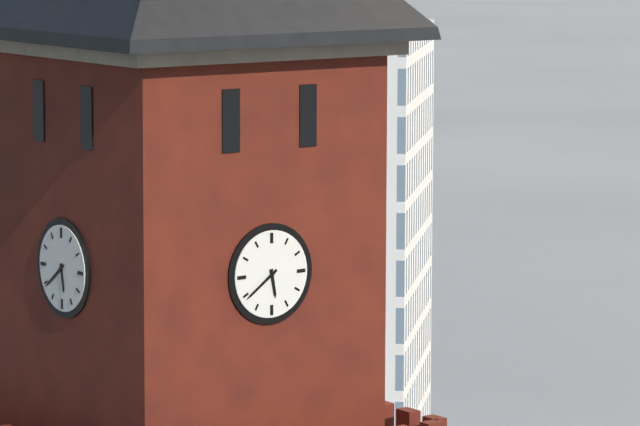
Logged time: 5.39
